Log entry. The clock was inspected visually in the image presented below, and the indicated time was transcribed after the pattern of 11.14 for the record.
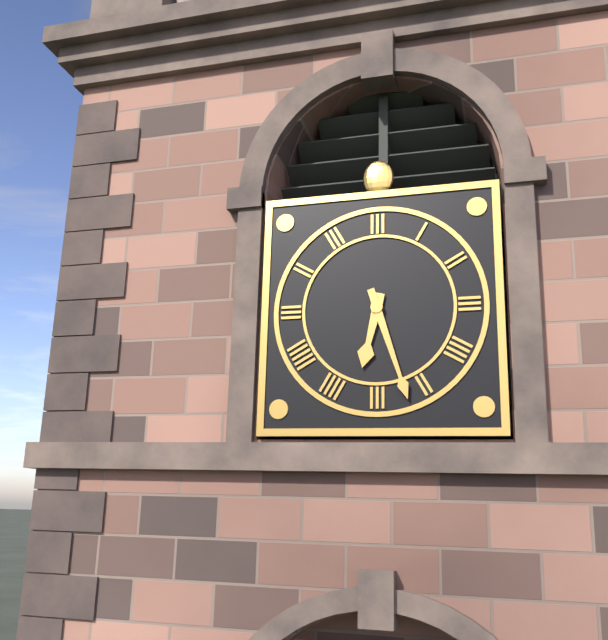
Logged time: 6.27
